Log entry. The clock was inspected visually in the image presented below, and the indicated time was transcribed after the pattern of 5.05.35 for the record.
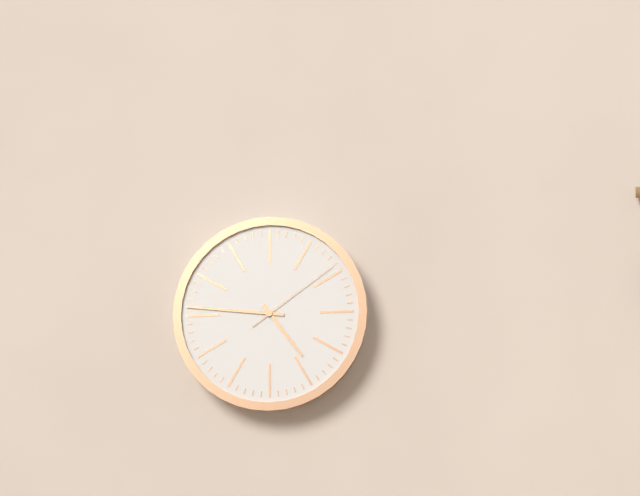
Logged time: 4.46.09
